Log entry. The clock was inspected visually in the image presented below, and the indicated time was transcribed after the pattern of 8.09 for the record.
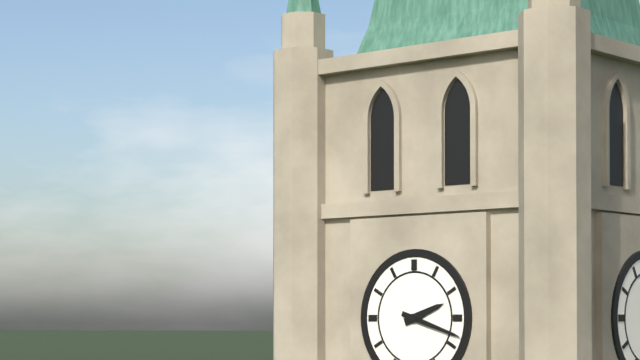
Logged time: 2.18
